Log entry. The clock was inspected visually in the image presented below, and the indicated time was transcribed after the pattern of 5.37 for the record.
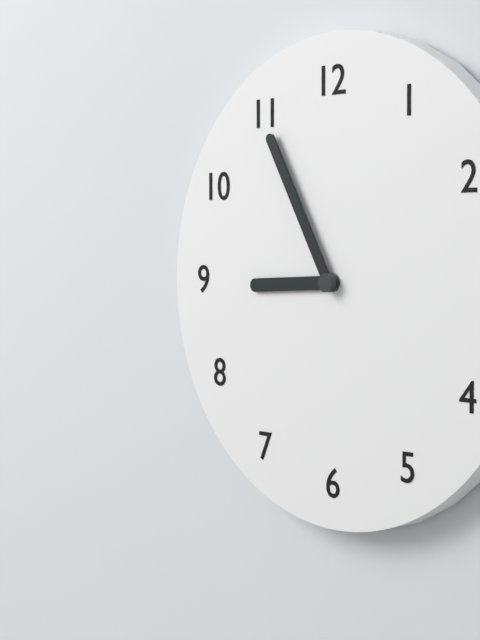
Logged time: 8.55
